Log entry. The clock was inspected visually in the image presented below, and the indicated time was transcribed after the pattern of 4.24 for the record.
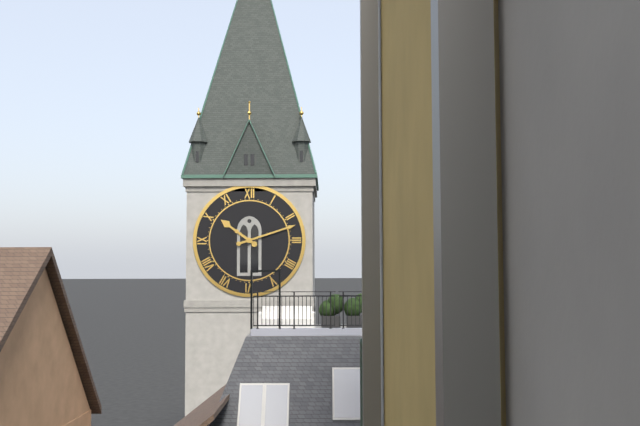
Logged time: 10.12
